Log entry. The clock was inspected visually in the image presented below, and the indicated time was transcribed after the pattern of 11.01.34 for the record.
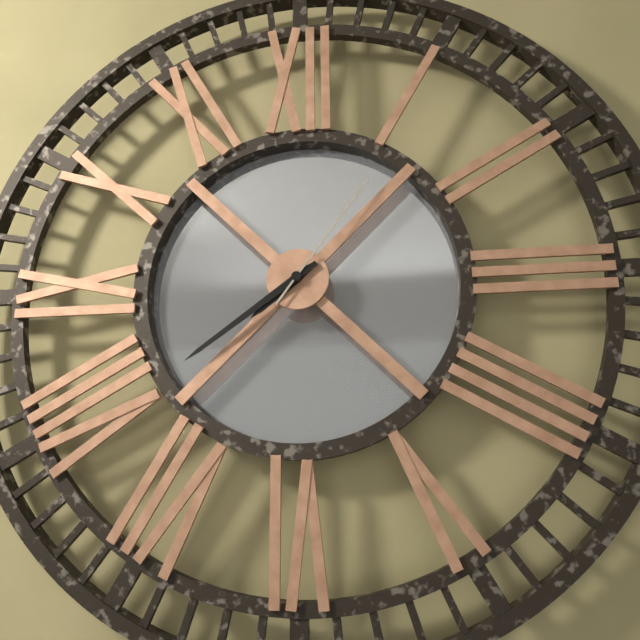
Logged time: 7.39.06
